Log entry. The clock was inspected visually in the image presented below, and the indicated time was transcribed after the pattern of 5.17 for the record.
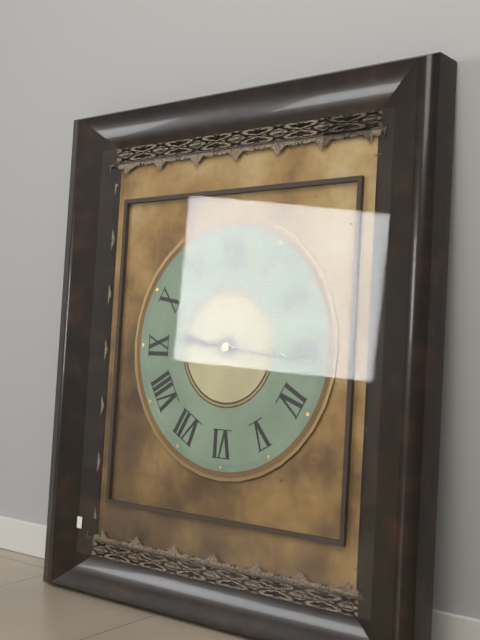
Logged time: 9.16
